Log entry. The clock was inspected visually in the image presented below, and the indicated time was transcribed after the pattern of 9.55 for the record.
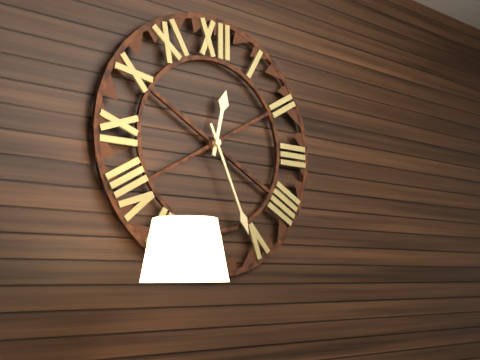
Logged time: 12.26
